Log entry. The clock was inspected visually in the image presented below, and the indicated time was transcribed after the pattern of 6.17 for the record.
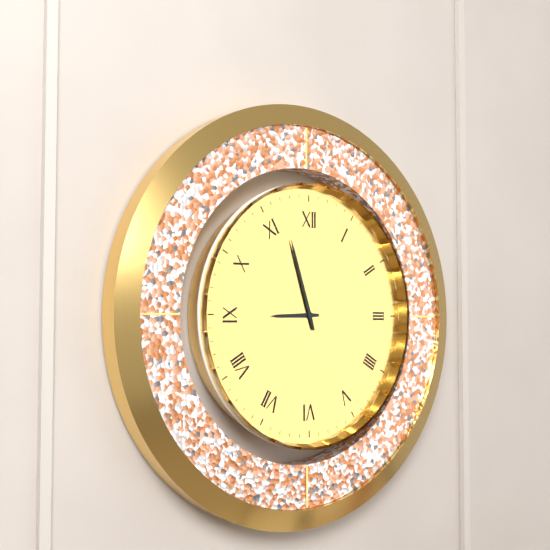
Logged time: 8.57
